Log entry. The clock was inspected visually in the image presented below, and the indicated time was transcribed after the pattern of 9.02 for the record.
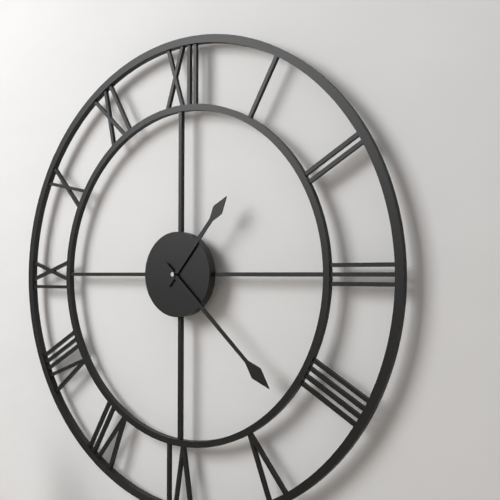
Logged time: 1.22
